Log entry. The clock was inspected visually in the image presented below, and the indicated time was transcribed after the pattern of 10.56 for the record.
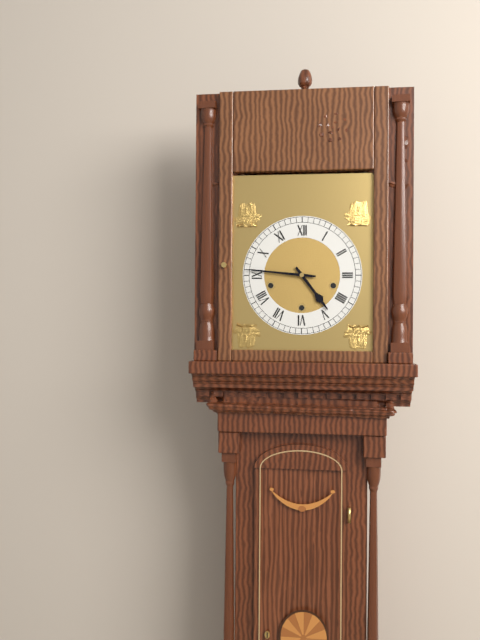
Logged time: 4.46
